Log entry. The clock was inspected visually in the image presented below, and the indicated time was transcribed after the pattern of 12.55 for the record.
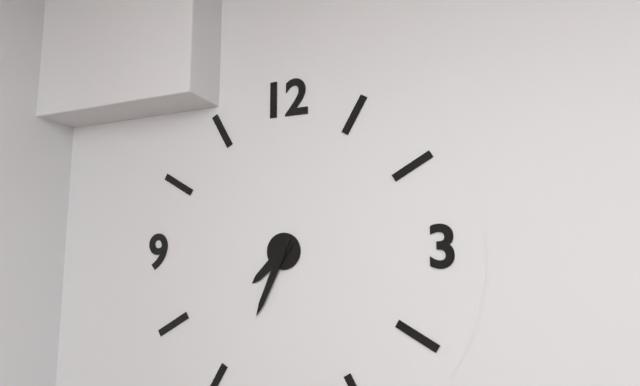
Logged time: 7.34
